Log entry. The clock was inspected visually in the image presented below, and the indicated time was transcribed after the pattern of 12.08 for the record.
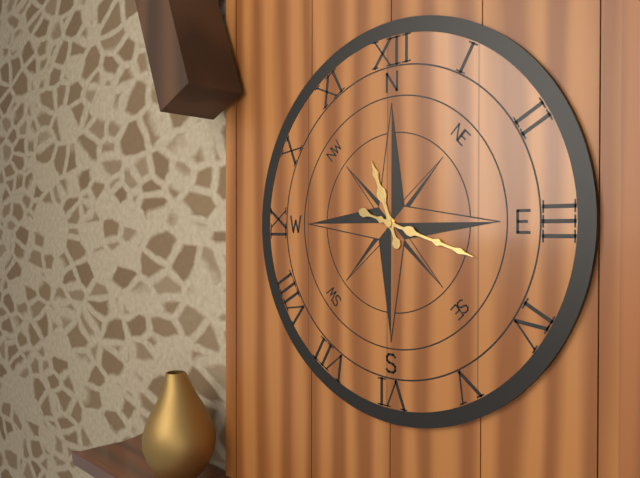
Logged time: 11.18
